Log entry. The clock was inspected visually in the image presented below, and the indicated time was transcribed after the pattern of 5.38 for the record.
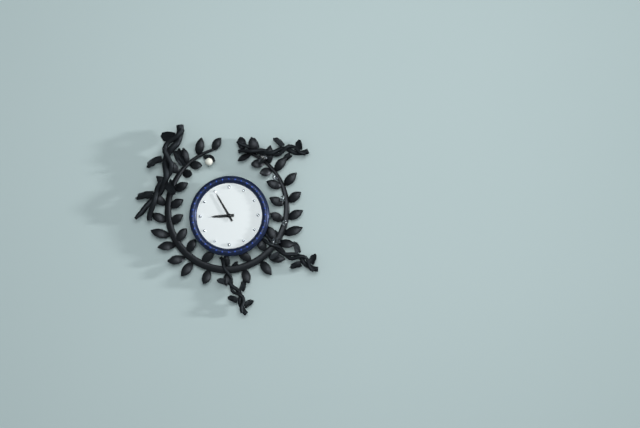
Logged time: 8.55
